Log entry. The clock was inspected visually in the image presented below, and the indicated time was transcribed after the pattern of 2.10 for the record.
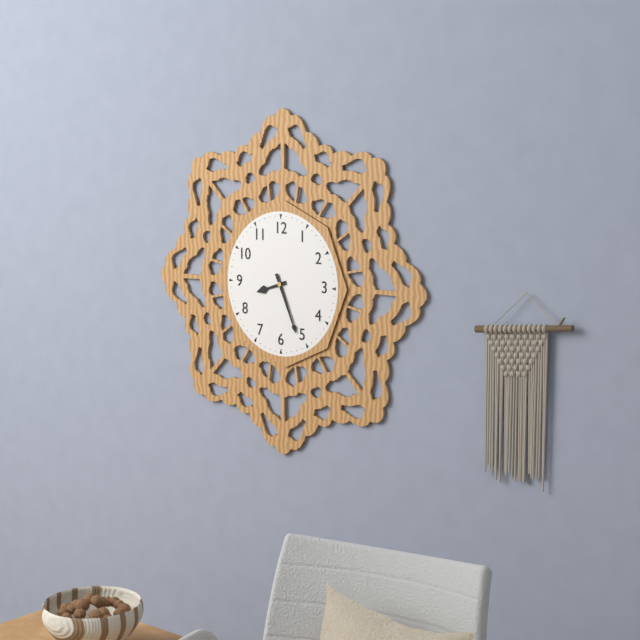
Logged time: 8.26
